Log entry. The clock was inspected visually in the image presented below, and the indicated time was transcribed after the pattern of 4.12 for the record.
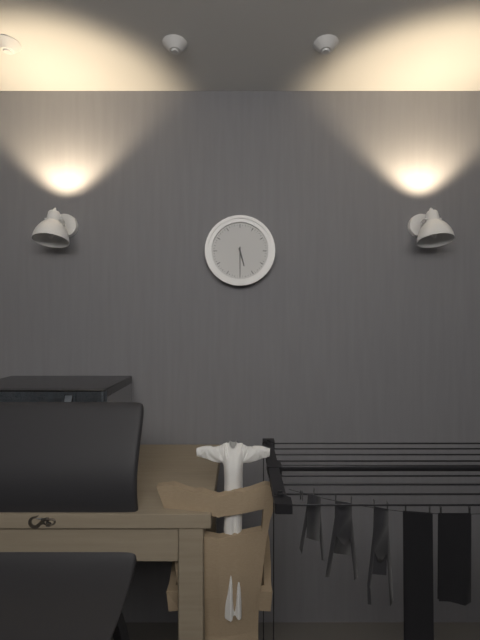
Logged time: 5.30
